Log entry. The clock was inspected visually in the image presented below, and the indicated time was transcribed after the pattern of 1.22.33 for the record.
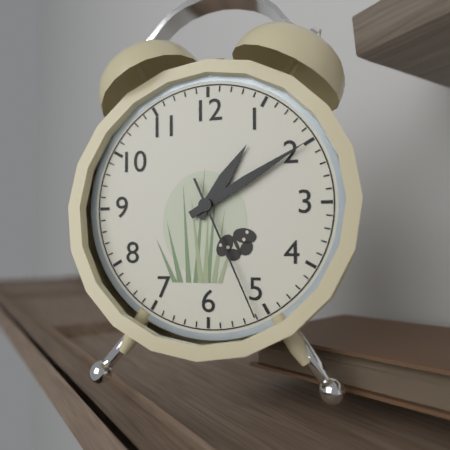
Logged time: 1.10.26
